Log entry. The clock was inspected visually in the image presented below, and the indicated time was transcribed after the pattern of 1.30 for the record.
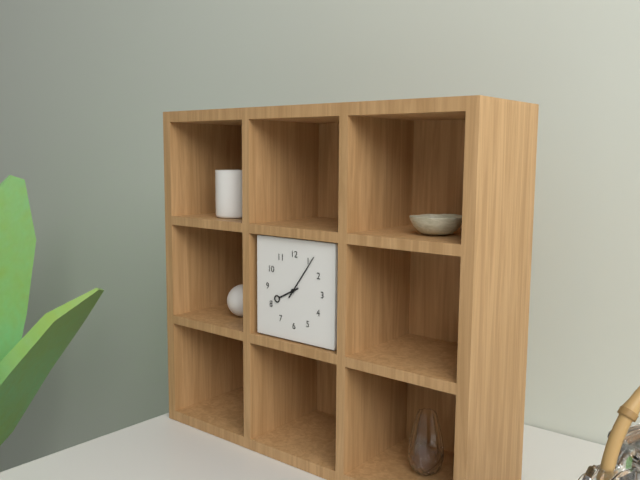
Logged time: 8.06
